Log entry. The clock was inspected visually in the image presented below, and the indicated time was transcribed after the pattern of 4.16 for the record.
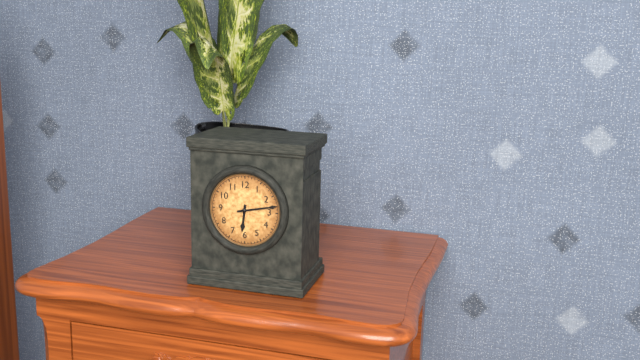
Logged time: 6.13
